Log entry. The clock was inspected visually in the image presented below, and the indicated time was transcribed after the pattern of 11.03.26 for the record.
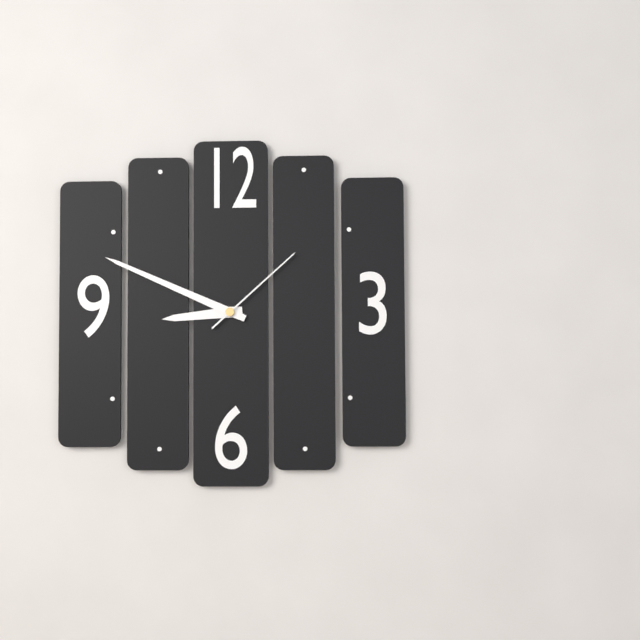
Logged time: 8.49.08
